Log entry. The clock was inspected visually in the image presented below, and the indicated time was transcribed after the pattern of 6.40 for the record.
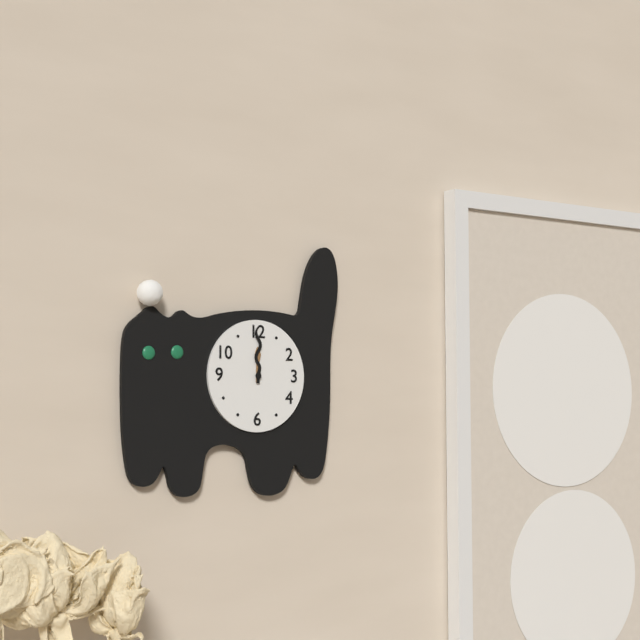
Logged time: 12.00
